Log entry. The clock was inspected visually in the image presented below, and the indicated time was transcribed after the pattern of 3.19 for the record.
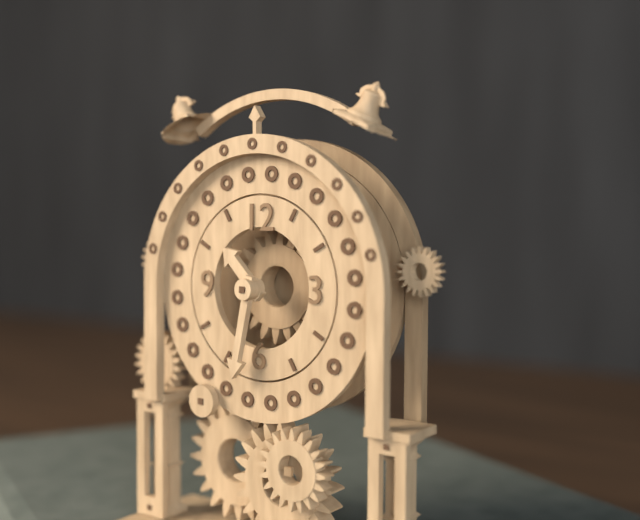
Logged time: 10.32
